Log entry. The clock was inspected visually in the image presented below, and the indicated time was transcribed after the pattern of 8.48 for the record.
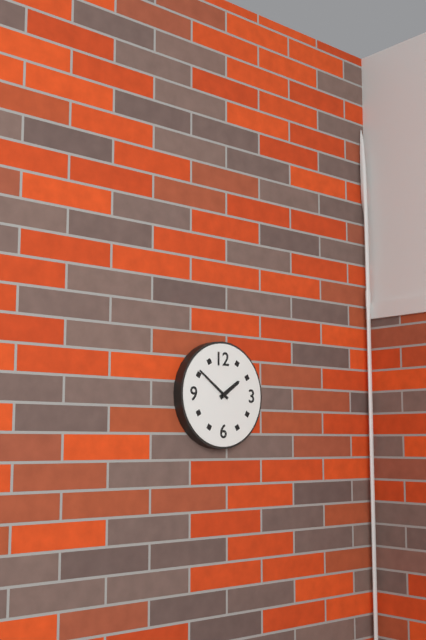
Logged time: 1.51
